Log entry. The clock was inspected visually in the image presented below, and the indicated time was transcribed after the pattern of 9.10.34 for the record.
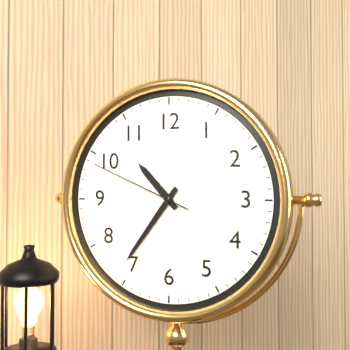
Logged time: 10.36.49
